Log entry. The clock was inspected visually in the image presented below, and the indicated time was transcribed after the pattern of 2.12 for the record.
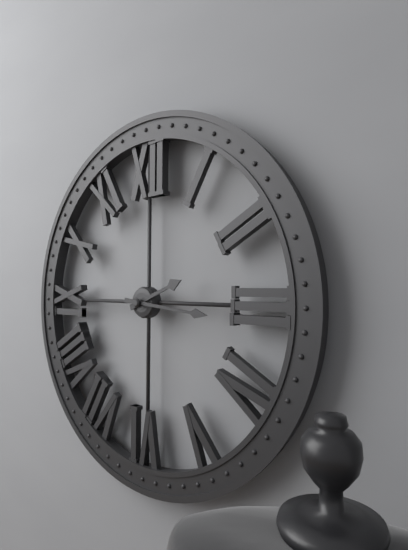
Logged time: 2.16
